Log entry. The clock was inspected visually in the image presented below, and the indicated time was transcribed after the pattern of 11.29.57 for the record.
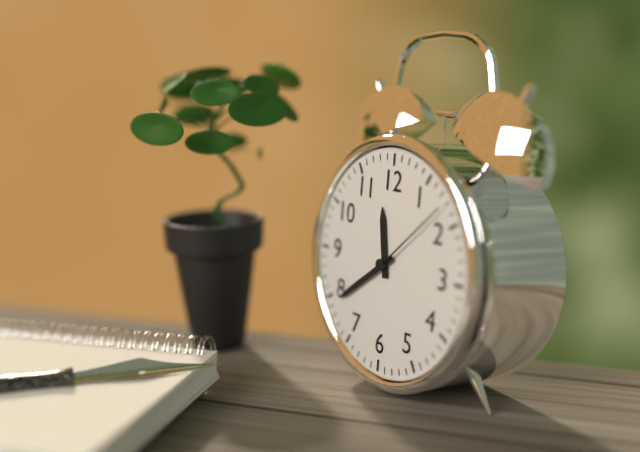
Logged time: 11.39.08
